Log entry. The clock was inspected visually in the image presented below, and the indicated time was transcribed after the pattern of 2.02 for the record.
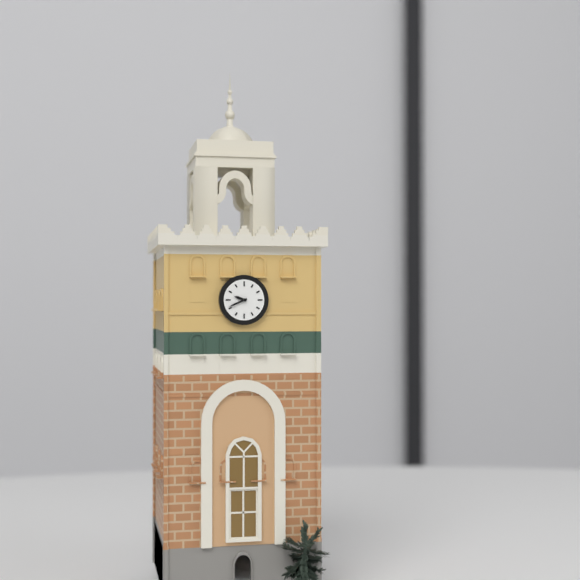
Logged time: 9.41
